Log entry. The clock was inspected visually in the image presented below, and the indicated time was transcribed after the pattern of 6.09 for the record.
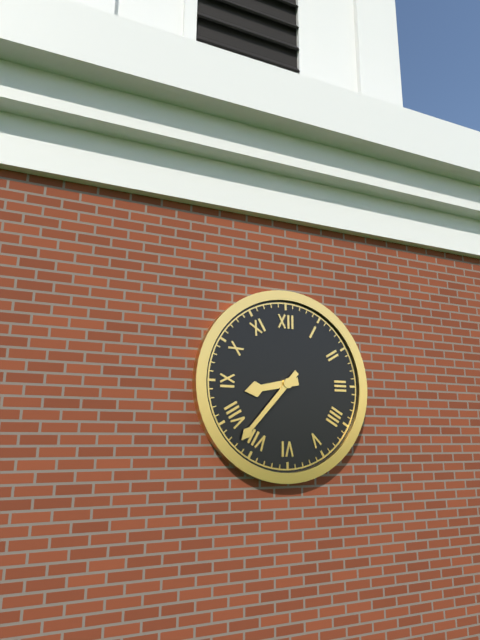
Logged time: 8.37
